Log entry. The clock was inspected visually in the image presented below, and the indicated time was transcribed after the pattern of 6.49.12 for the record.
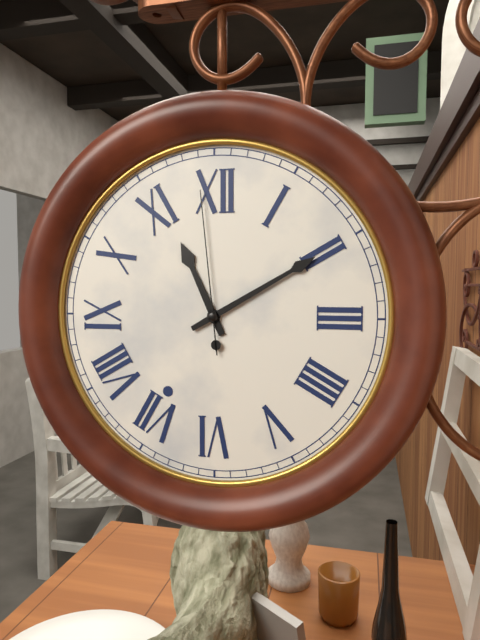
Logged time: 11.10.59
